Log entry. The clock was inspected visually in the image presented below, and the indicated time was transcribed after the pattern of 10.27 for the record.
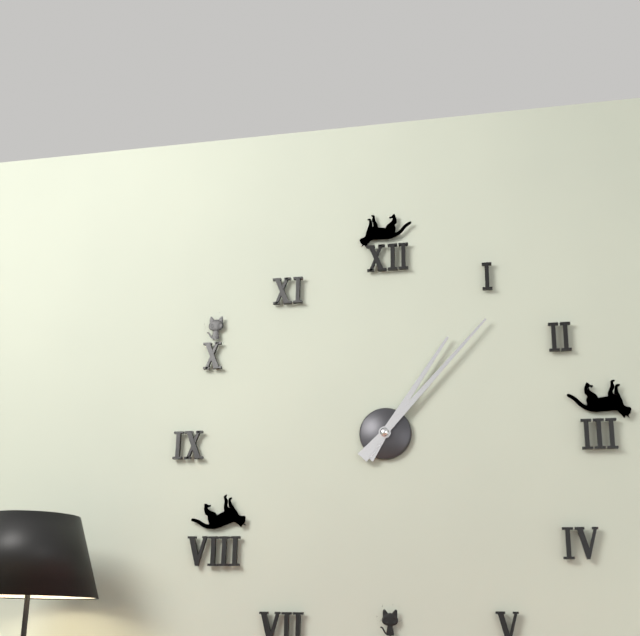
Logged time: 1.07
